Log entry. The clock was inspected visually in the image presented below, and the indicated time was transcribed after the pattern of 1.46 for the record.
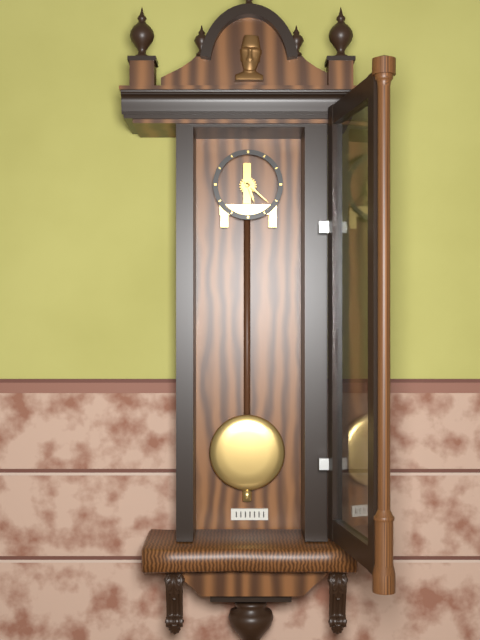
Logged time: 5.22
